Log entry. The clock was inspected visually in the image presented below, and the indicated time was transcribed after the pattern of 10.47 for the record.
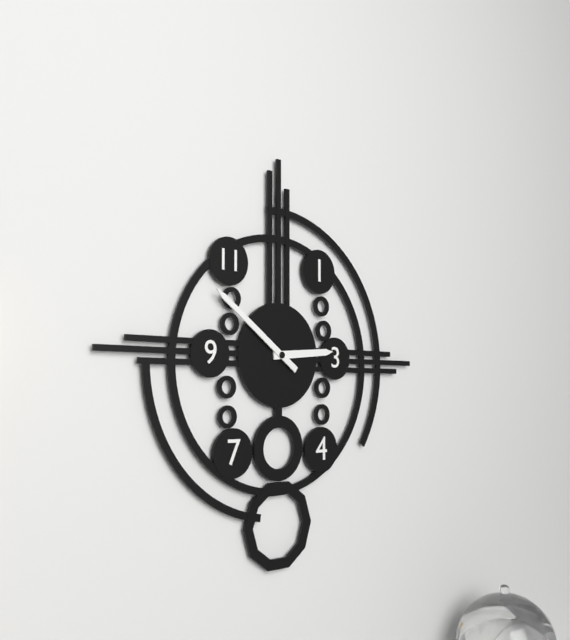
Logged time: 2.51
